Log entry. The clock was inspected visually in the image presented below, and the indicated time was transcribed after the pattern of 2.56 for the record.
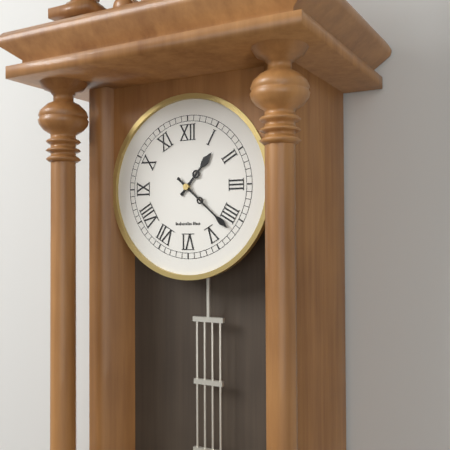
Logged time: 1.22
